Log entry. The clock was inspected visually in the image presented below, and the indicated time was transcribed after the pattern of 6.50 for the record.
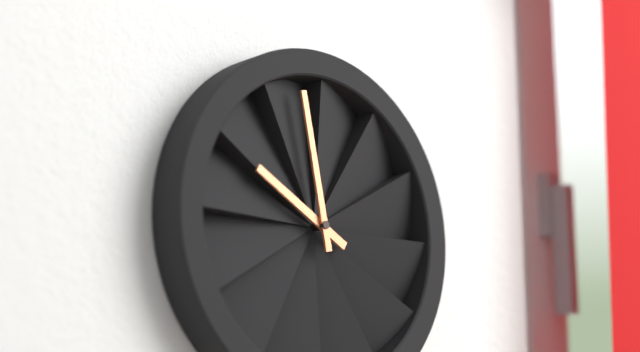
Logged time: 9.58
